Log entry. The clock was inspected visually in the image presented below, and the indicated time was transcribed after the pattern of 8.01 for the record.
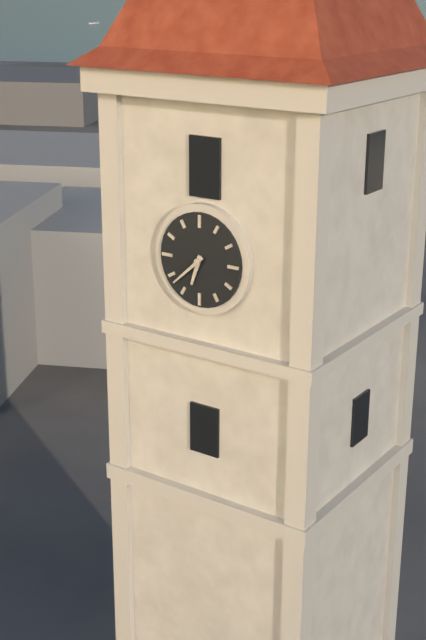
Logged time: 6.38
